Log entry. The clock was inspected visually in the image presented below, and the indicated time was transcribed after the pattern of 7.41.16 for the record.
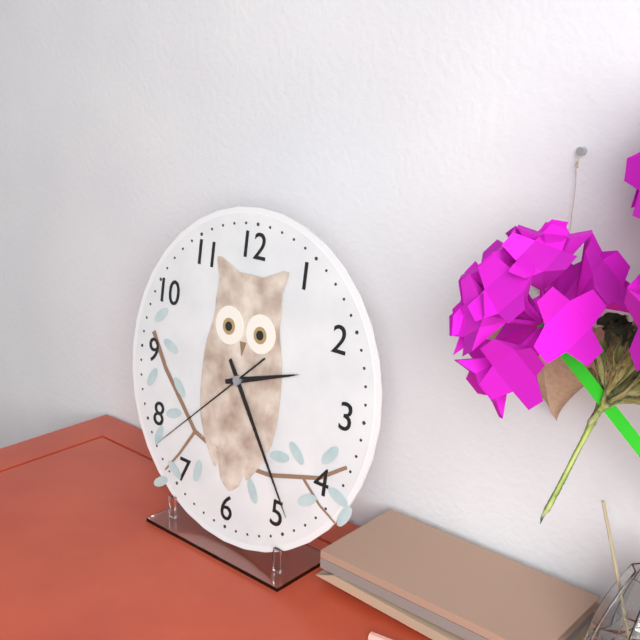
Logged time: 2.24.38
